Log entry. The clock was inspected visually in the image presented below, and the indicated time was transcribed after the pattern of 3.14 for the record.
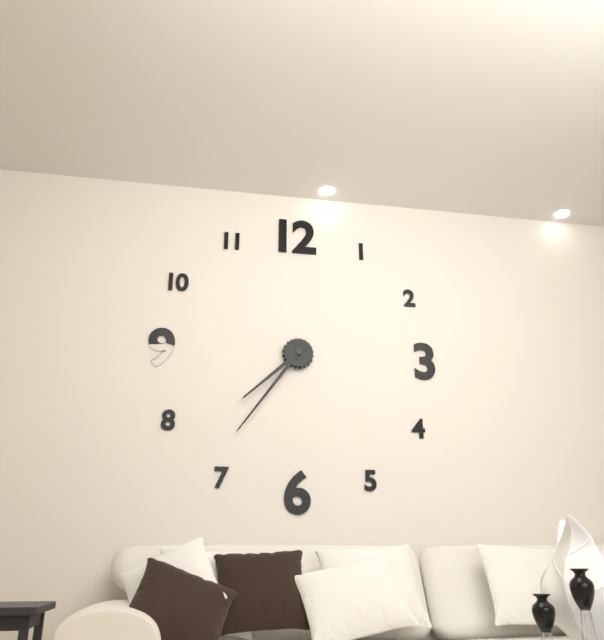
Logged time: 7.36
